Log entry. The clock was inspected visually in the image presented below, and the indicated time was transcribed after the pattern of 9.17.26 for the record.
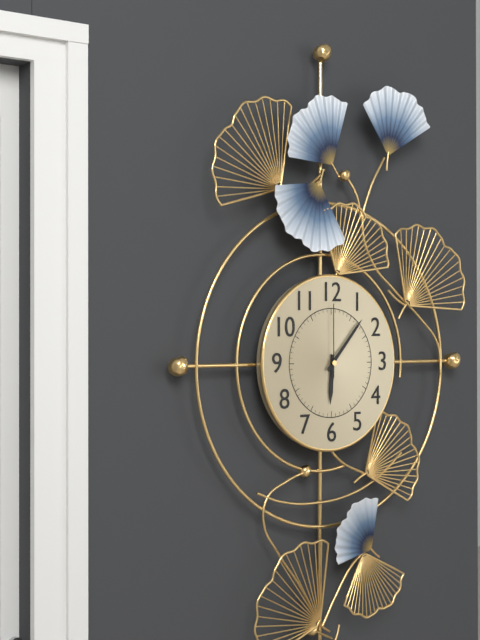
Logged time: 6.07.00
